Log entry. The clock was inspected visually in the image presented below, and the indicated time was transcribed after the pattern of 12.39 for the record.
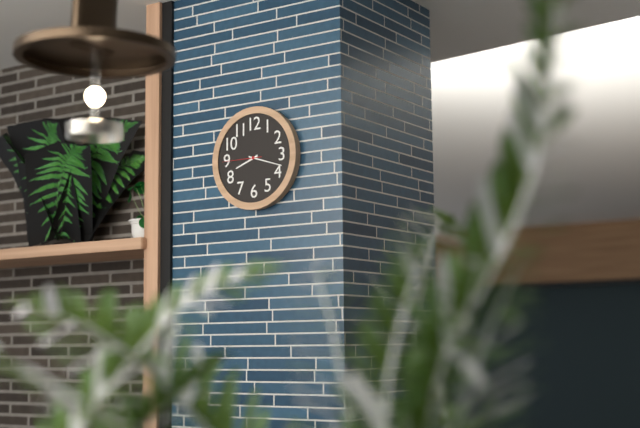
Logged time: 8.18
